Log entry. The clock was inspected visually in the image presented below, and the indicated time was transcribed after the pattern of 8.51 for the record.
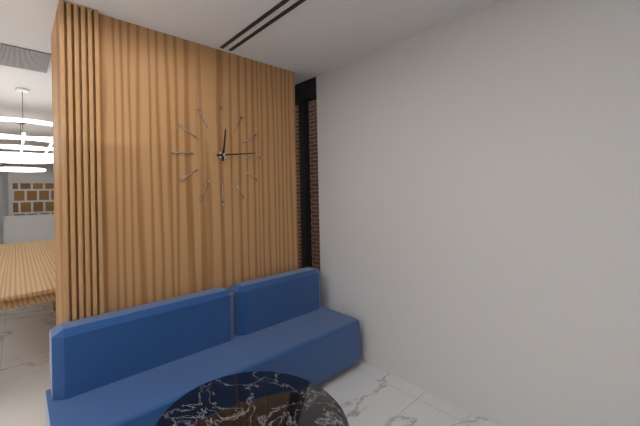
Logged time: 12.14
